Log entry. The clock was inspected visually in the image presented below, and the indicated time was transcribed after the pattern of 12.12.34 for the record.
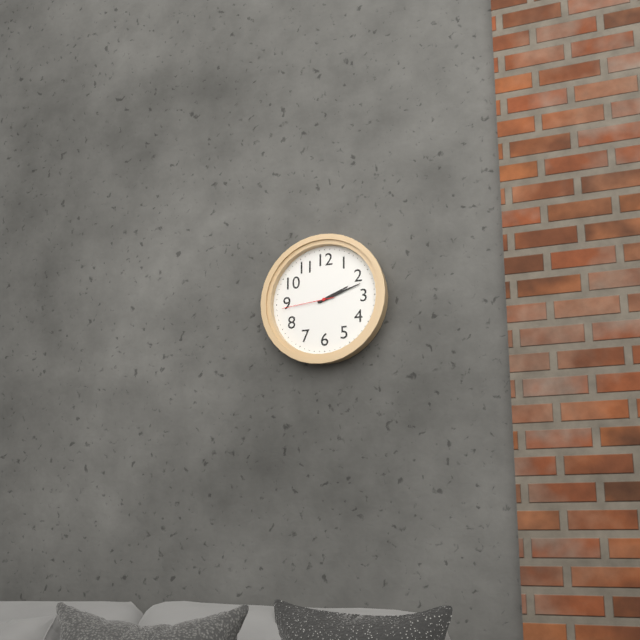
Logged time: 2.12.44
